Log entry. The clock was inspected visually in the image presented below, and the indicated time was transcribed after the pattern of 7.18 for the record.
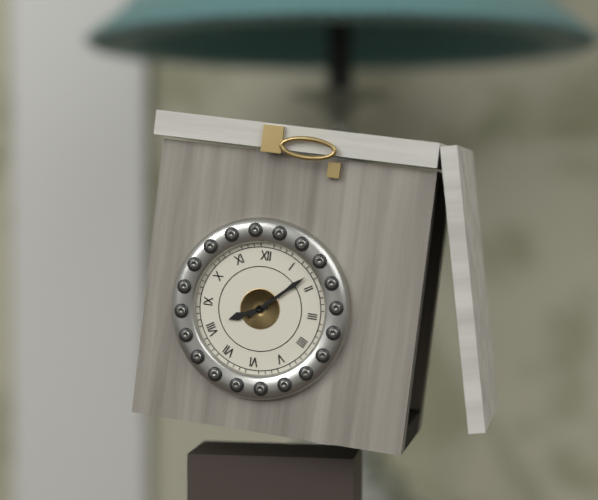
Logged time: 8.08
